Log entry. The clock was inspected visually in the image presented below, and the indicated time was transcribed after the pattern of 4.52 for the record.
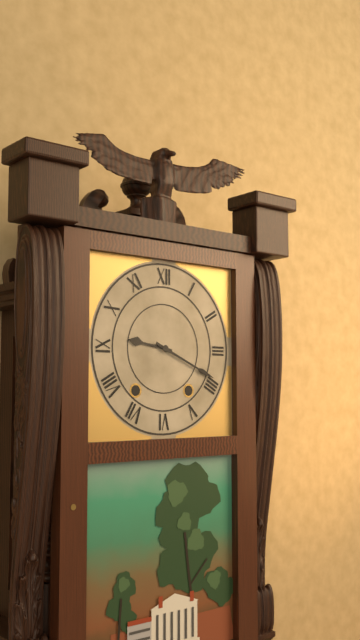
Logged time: 9.19
